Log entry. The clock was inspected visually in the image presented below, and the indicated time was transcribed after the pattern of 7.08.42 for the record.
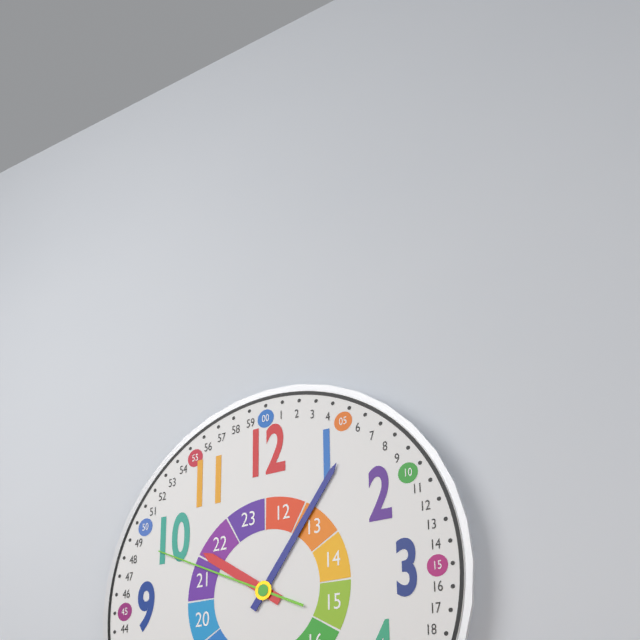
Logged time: 10.06.49
